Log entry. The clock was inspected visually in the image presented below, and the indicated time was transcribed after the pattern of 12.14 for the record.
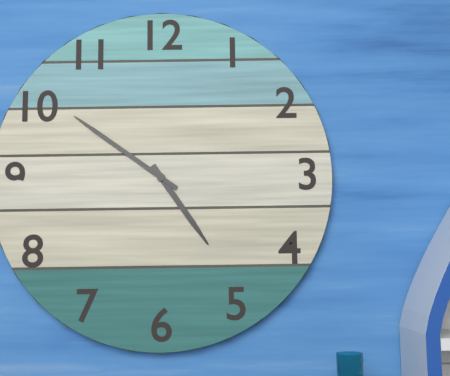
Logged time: 4.51
